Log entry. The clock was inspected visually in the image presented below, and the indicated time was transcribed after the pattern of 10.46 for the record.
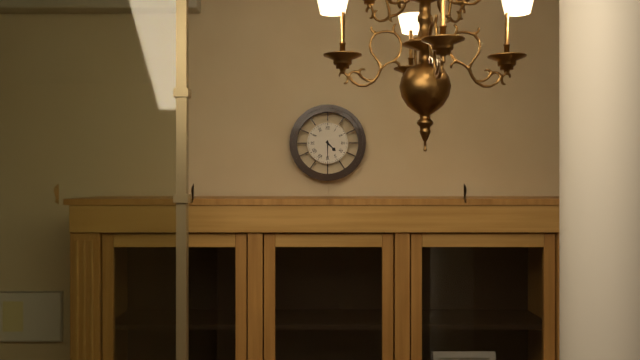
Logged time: 4.30
